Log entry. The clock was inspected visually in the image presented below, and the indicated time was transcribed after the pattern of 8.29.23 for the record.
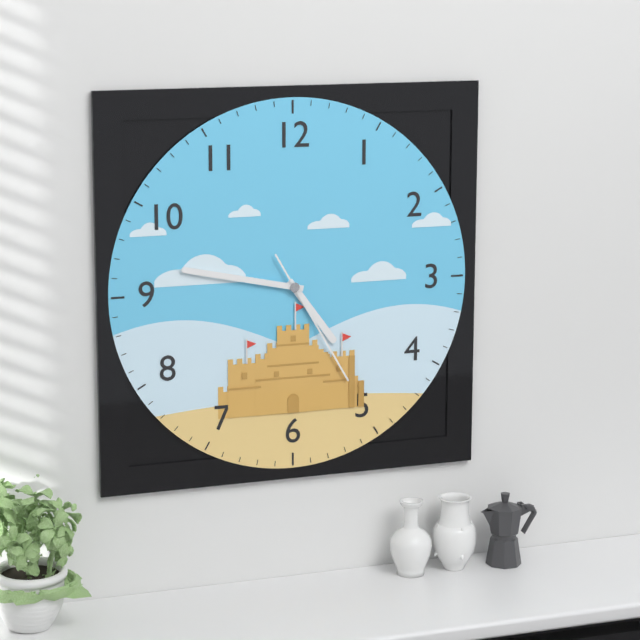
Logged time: 4.47.25
